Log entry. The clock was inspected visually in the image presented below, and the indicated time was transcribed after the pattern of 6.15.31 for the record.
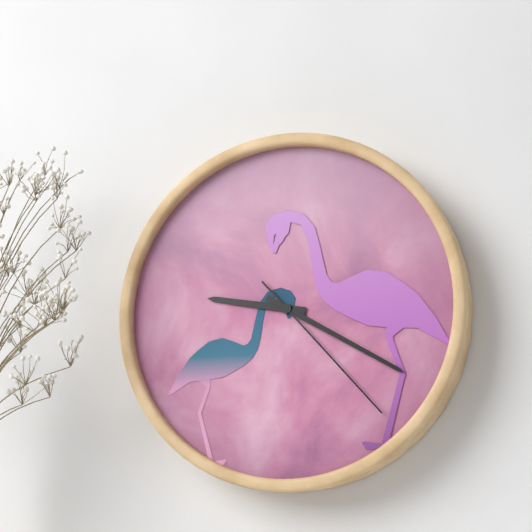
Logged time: 9.20.23
